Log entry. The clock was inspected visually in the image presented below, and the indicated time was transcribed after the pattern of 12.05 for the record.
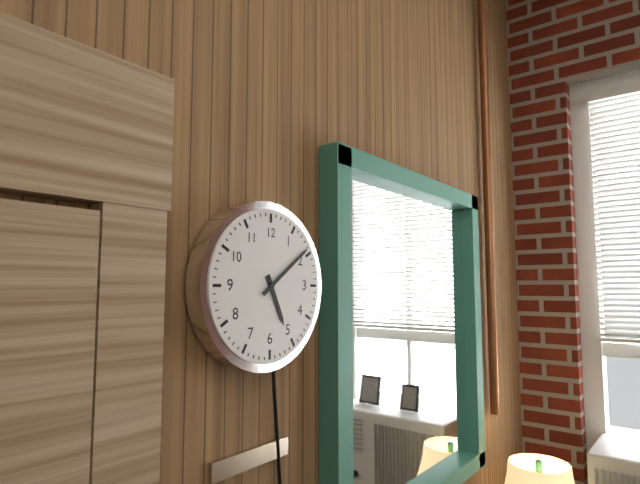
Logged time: 5.09
